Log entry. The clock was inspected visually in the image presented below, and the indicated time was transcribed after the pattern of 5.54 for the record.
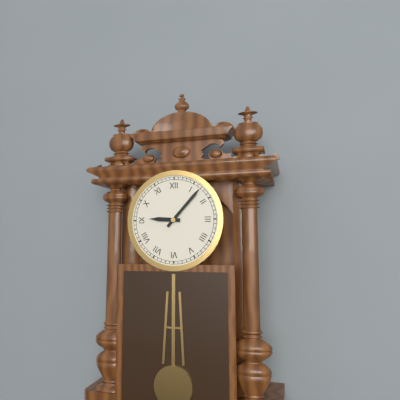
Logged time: 9.07
